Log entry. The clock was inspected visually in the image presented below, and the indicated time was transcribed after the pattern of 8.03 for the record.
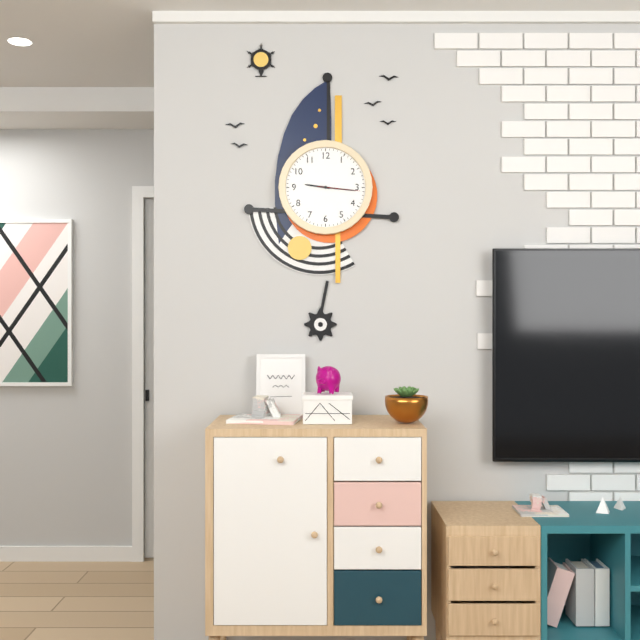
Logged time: 9.16
